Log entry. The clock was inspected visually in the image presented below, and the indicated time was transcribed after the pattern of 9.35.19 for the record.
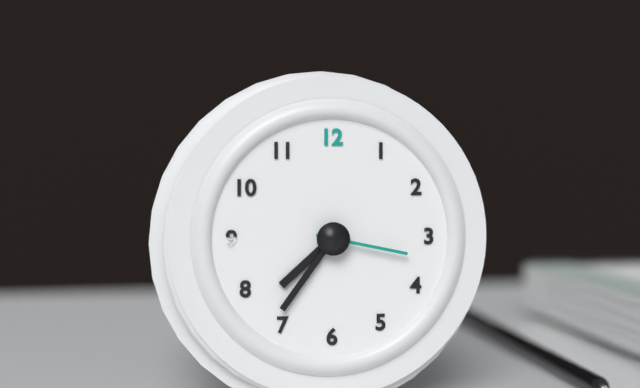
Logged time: 7.36.17
